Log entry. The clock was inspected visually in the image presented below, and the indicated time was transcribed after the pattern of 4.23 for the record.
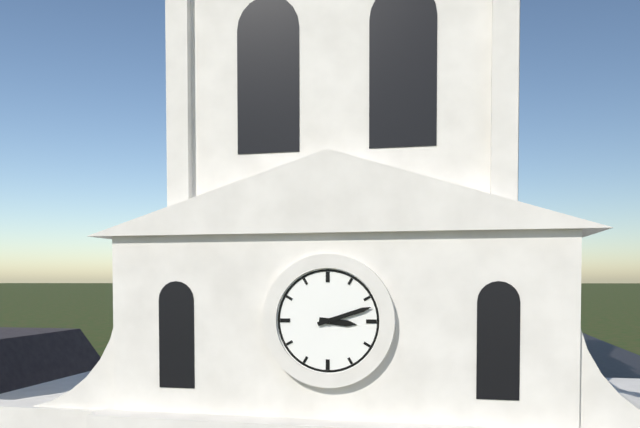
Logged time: 3.12
